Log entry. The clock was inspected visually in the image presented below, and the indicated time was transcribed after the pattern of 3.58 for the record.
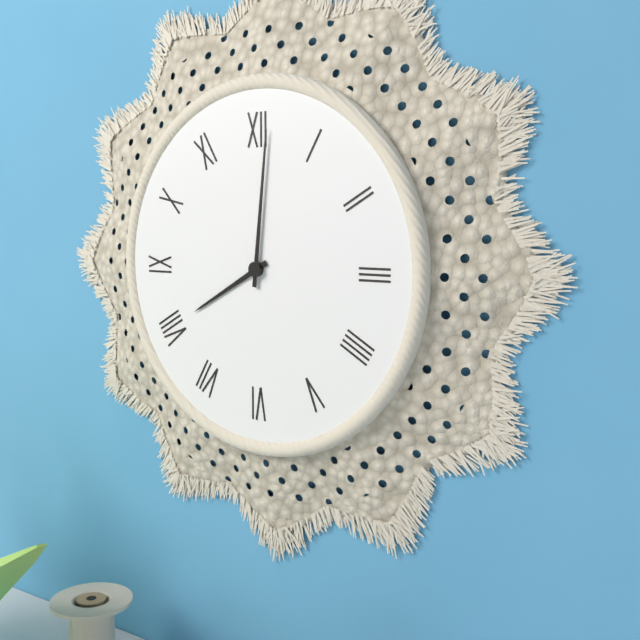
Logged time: 8.01
